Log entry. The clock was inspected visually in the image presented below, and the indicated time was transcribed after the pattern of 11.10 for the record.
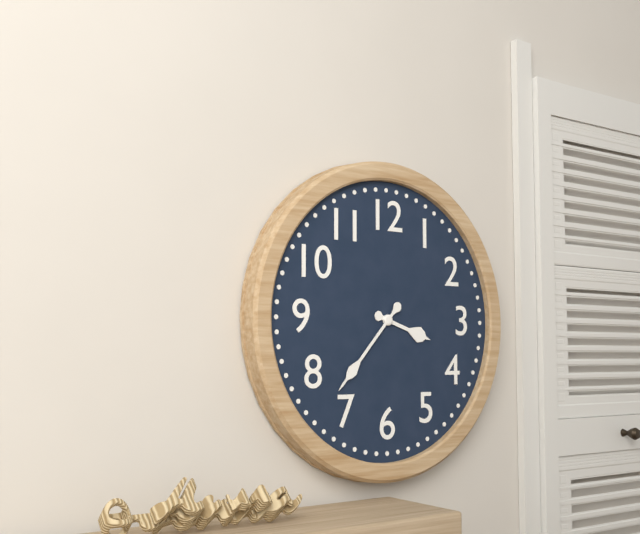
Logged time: 3.37
